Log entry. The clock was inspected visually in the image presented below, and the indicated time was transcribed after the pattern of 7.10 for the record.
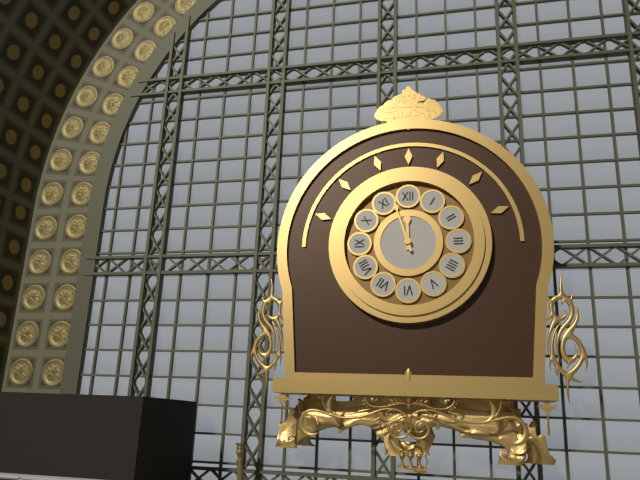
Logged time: 11.57
